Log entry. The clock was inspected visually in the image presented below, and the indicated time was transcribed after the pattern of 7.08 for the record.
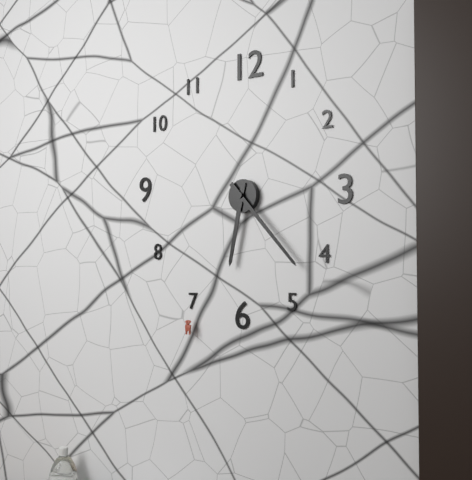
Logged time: 6.23
